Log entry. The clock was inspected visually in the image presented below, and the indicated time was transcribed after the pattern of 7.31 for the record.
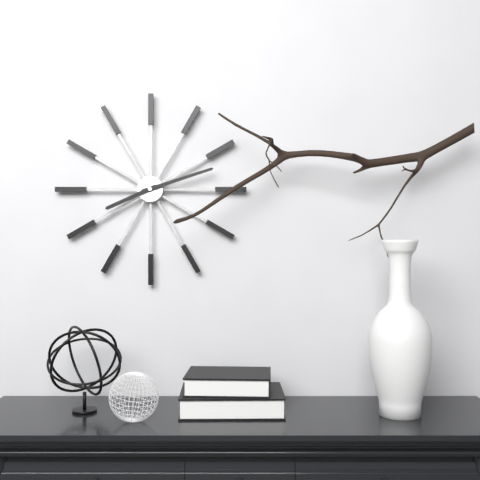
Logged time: 8.12
